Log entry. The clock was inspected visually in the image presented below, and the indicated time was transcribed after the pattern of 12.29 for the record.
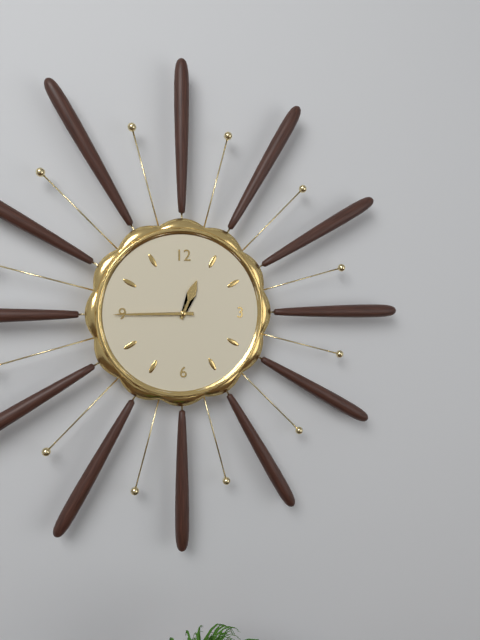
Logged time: 12.45
